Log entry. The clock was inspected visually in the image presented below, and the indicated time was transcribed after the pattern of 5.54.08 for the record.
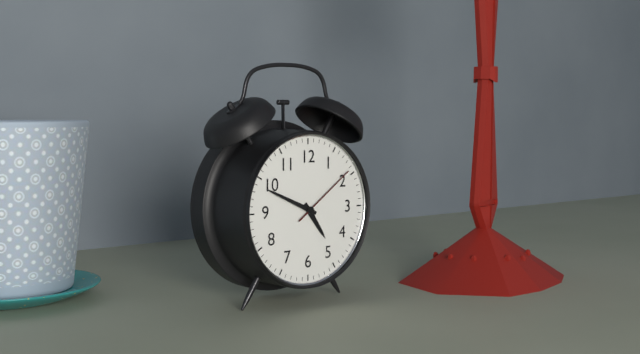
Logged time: 4.49.09
